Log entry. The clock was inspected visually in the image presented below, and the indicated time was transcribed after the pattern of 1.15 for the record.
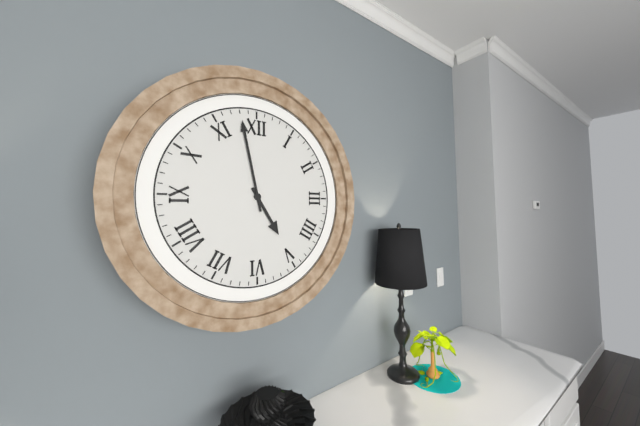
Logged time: 4.58
